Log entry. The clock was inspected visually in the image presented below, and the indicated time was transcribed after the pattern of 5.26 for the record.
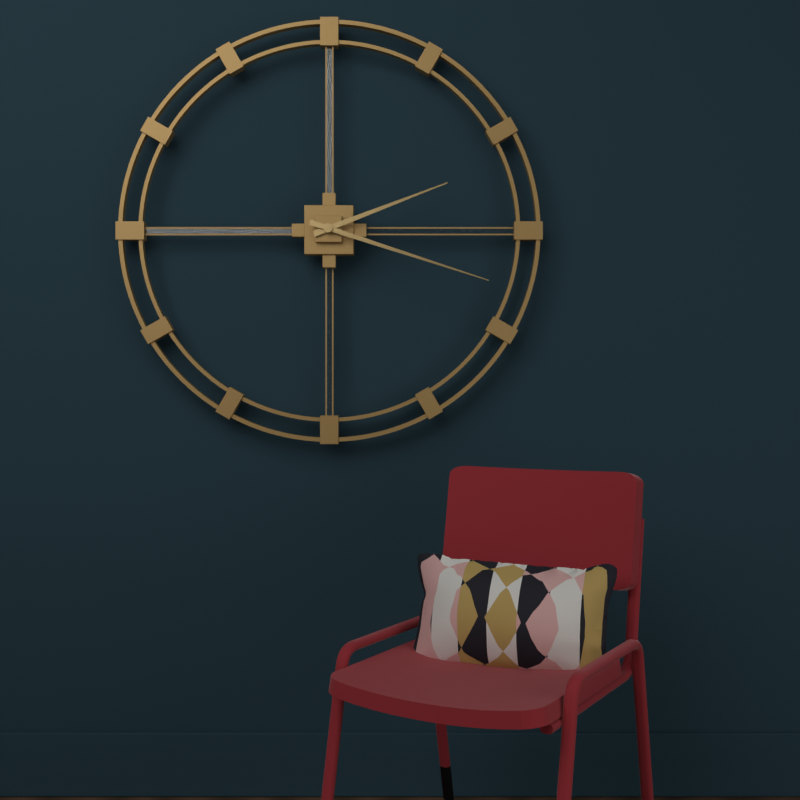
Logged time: 2.18
